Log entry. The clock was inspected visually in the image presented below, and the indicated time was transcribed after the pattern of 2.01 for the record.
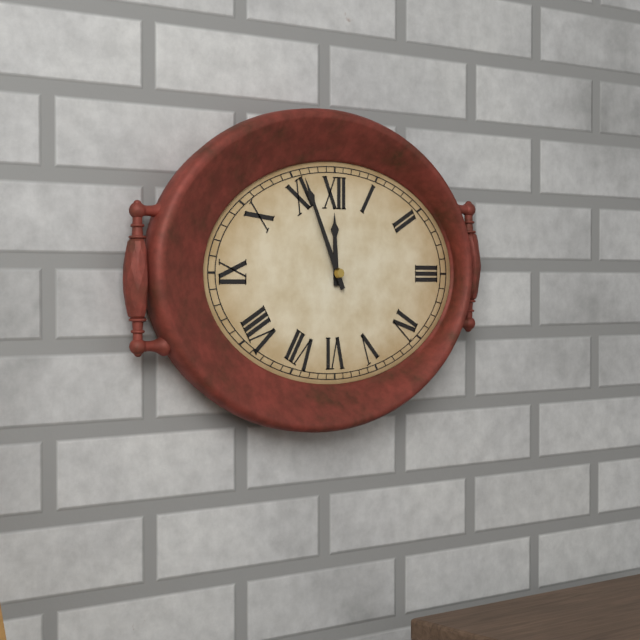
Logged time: 11.56
